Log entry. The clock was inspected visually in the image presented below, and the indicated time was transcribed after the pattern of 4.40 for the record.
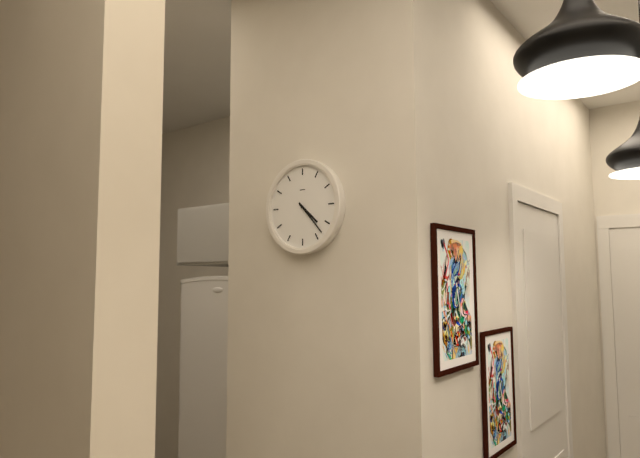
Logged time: 4.23
